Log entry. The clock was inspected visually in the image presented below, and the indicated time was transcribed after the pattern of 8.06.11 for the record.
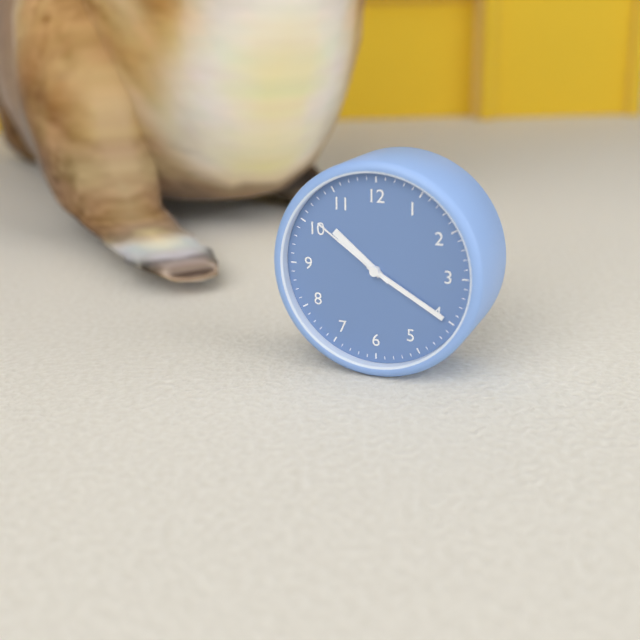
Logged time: 10.20.51
